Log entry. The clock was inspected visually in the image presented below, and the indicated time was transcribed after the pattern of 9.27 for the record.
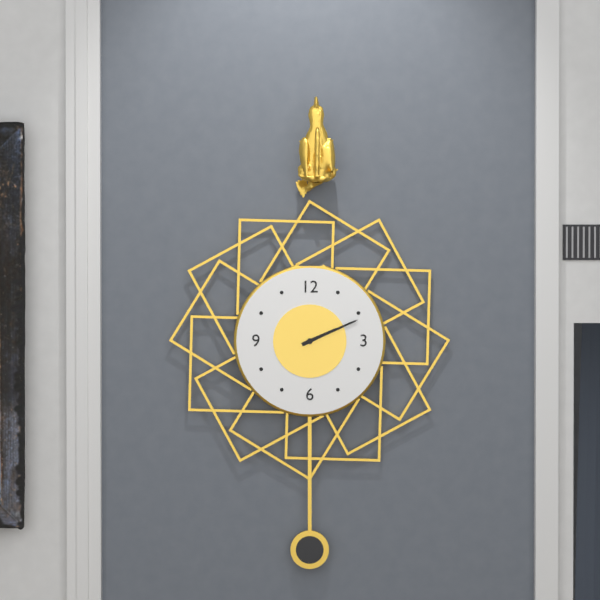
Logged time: 2.11
